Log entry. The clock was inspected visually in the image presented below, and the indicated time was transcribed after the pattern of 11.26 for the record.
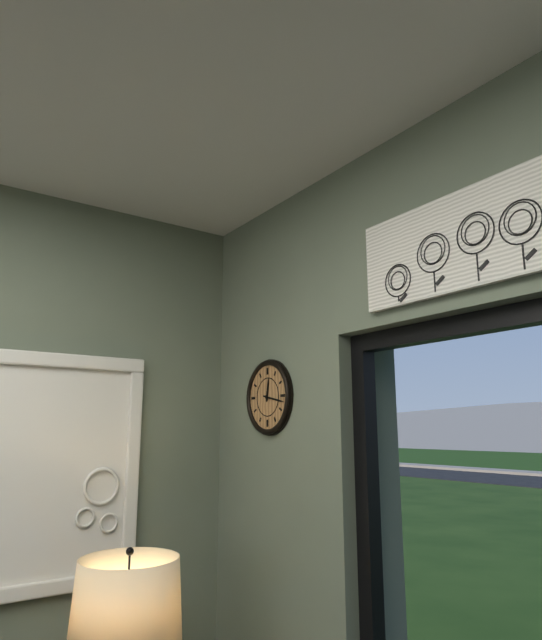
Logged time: 12.17
